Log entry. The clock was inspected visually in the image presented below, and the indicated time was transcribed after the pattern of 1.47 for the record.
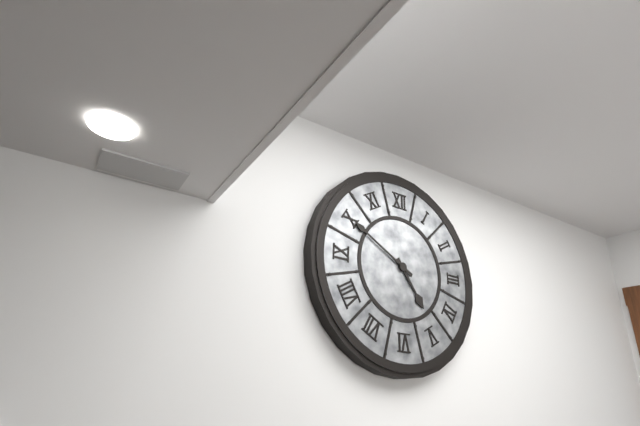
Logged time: 4.50
